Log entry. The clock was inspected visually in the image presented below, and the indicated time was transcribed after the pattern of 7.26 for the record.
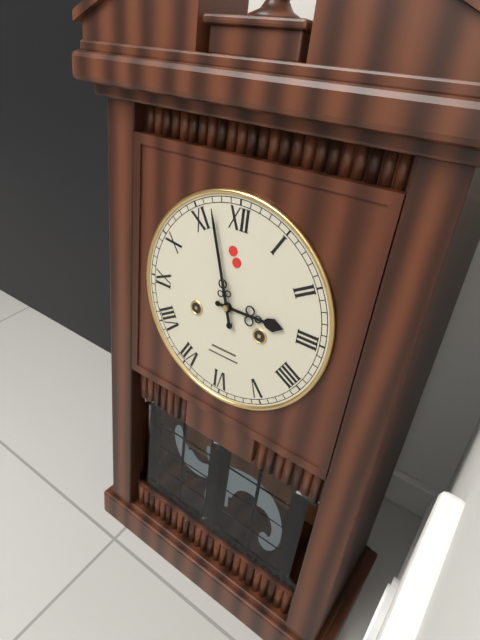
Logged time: 2.57
